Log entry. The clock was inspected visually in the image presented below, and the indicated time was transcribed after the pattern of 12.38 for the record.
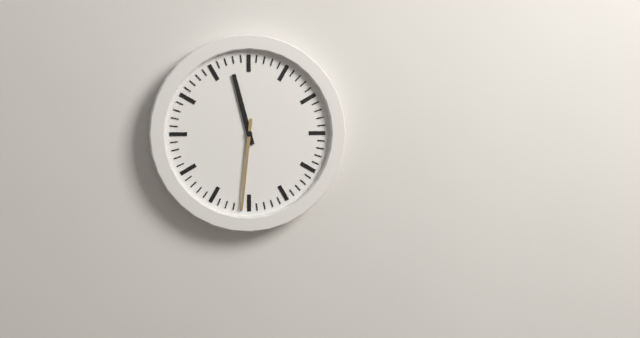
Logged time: 11.31
